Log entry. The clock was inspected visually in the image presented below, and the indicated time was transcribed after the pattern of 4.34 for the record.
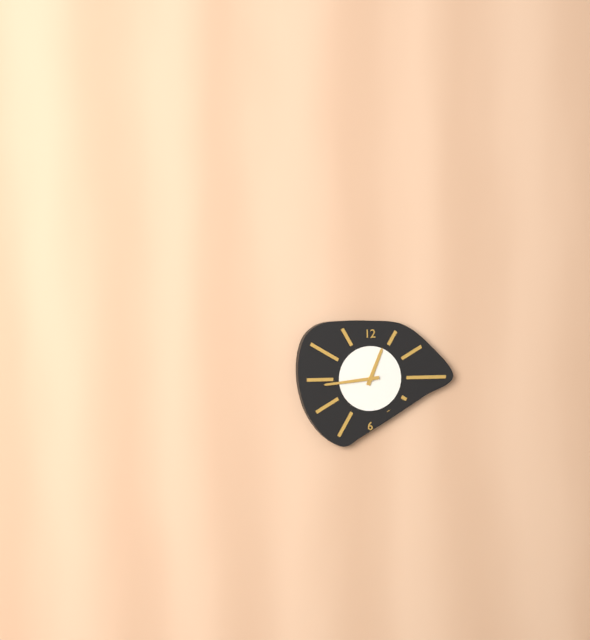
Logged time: 12.44
